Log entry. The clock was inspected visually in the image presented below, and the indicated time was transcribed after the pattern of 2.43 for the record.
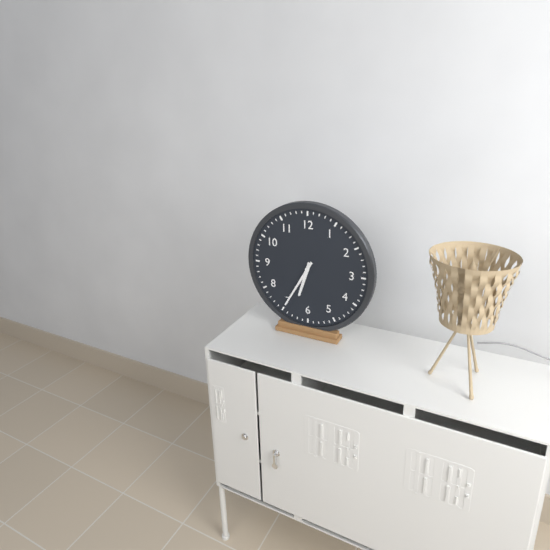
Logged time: 6.35
